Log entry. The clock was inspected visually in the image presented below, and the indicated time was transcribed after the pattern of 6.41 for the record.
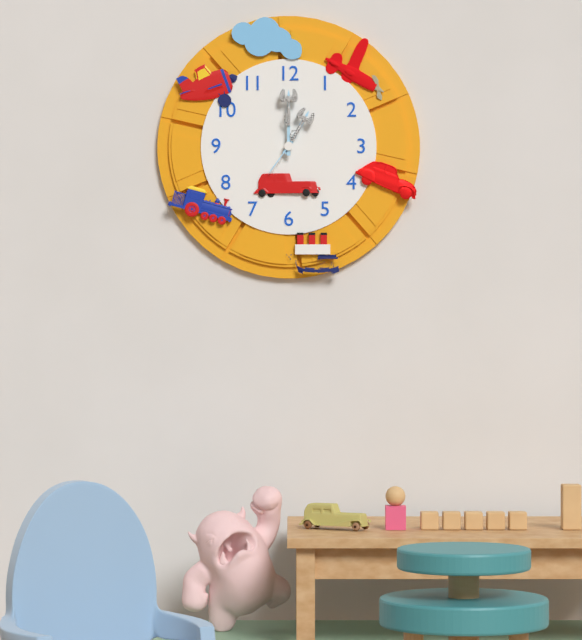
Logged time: 1.00
